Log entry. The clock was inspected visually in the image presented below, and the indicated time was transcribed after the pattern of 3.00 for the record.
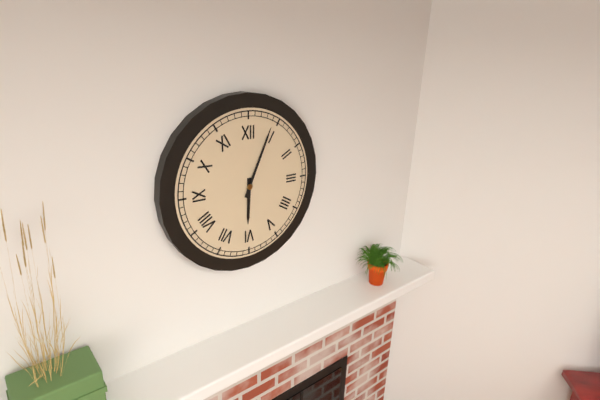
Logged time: 6.04
